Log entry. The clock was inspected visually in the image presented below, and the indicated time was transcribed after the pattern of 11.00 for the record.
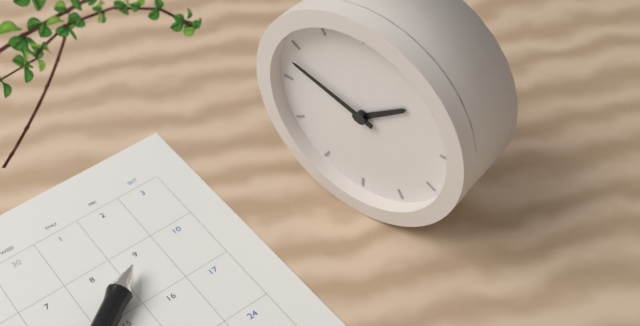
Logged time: 1.48
